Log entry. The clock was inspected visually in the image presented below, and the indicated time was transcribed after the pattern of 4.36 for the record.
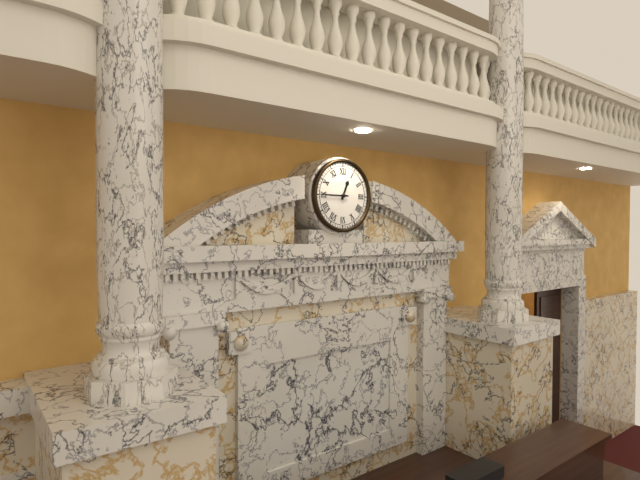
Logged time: 12.45
